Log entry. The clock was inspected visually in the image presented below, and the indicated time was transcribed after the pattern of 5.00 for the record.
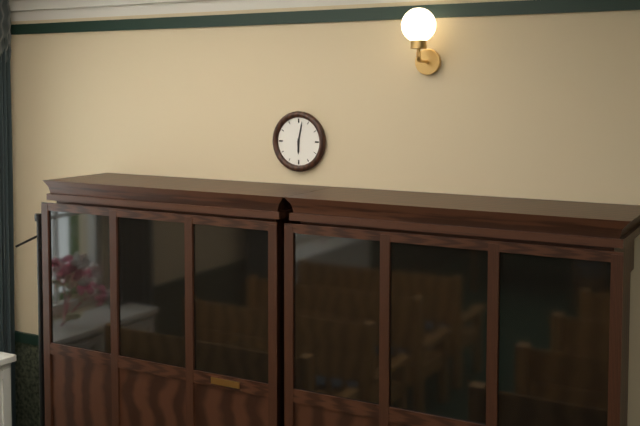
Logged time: 6.02
